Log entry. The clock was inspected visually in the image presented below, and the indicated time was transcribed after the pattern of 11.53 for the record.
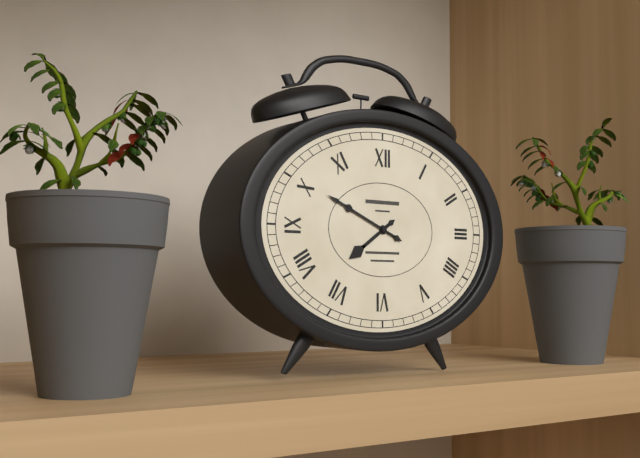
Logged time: 7.49
